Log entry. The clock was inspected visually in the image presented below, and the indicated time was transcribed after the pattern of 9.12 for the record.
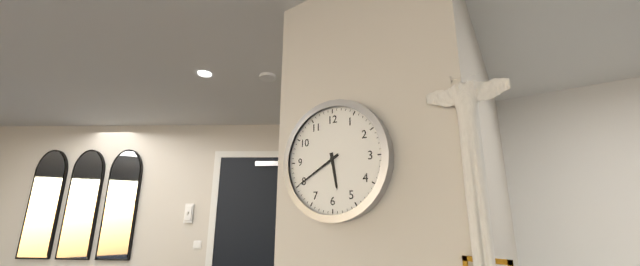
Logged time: 5.40
